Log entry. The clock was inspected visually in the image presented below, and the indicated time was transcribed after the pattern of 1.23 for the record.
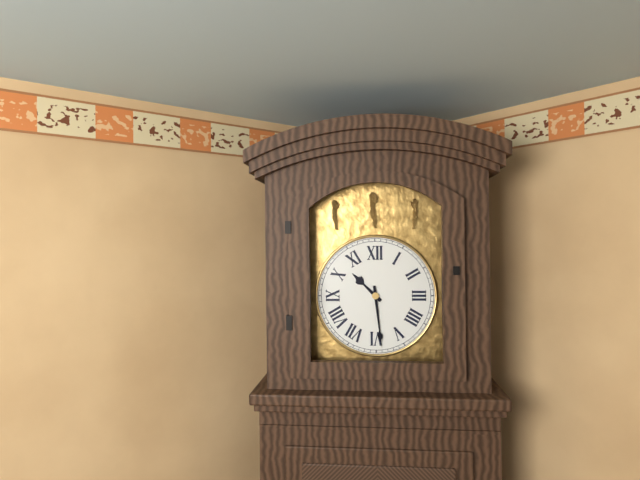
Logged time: 10.29
